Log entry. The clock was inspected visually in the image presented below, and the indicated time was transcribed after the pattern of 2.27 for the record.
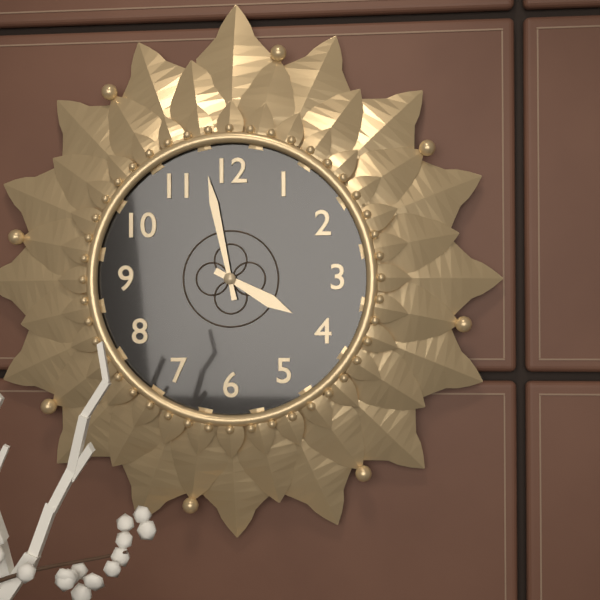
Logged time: 3.58
